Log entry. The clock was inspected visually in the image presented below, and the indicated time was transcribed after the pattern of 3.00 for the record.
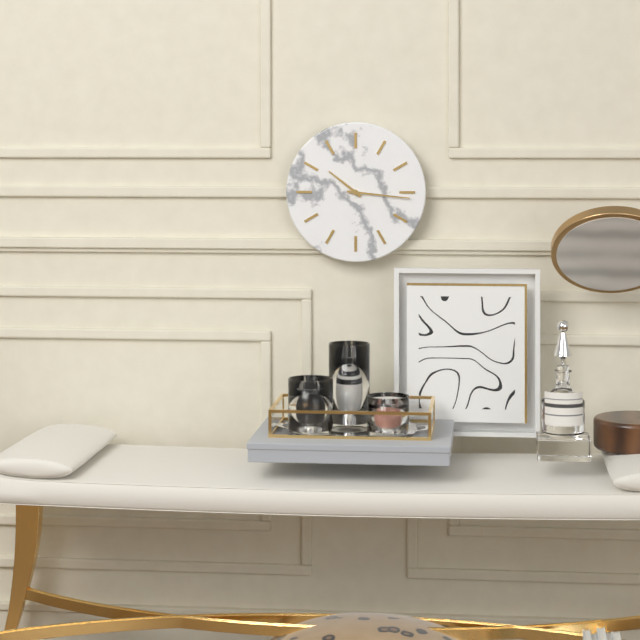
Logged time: 10.16
